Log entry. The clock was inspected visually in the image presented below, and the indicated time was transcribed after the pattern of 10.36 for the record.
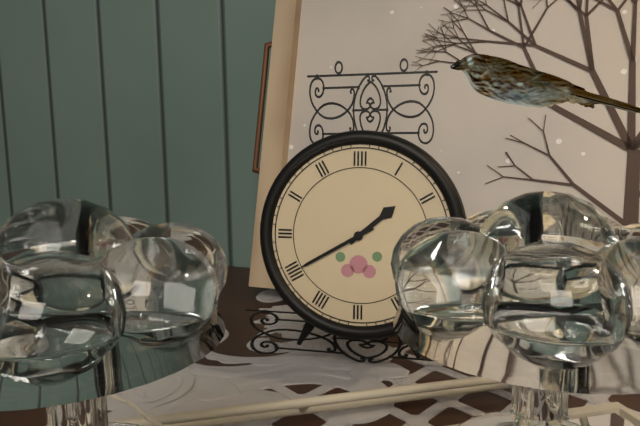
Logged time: 1.40
